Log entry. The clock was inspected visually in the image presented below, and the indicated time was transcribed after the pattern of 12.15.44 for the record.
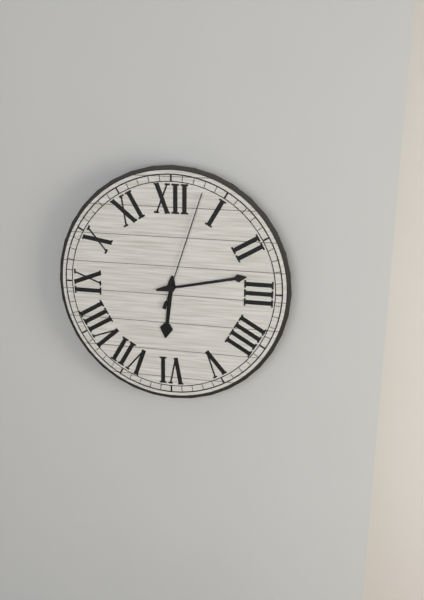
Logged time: 6.13.03
